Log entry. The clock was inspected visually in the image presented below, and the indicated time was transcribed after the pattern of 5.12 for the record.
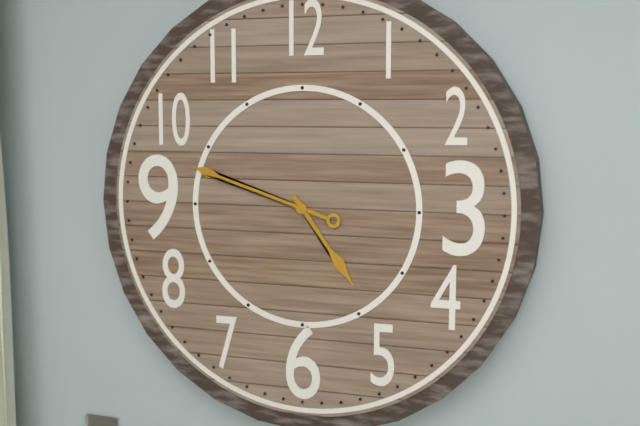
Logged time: 4.48
